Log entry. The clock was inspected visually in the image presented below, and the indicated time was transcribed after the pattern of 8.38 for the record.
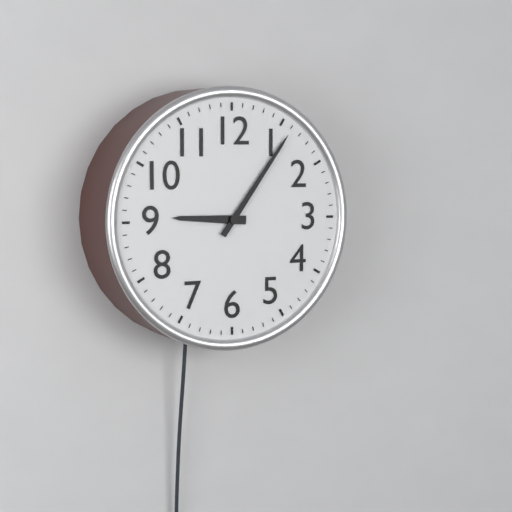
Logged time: 9.06
